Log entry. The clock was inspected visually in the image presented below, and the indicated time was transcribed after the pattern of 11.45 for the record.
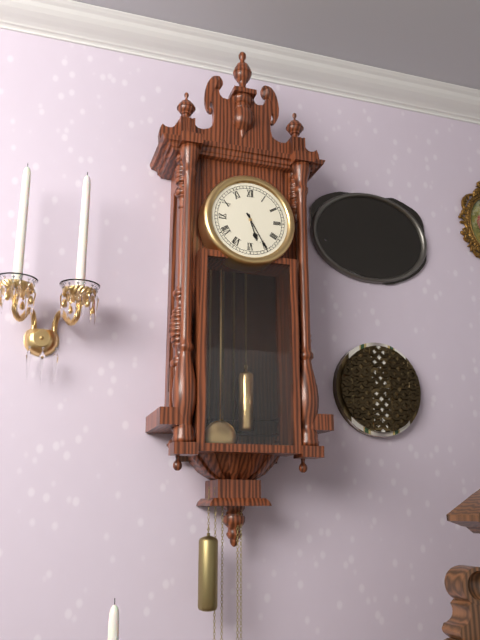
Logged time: 5.25
